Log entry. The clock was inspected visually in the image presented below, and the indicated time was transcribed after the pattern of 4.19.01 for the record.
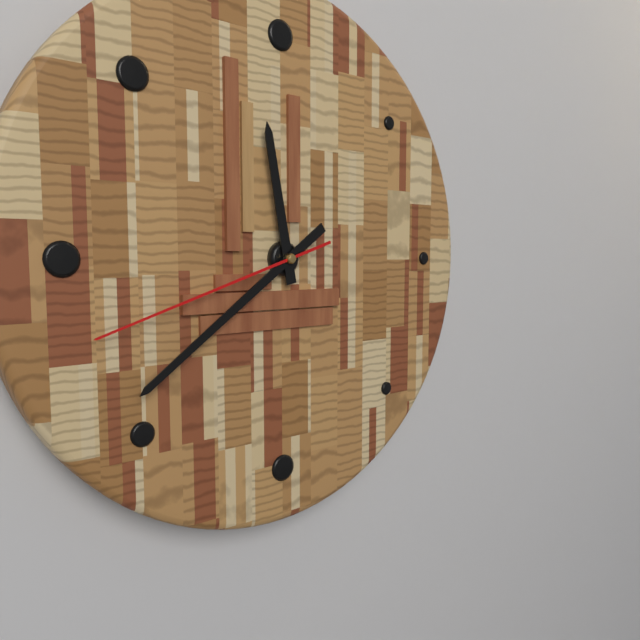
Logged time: 11.39.42
